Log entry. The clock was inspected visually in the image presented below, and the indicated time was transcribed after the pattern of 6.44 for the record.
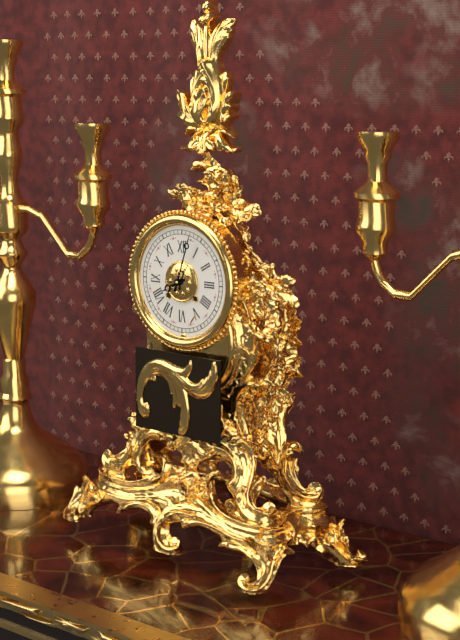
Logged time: 8.03
